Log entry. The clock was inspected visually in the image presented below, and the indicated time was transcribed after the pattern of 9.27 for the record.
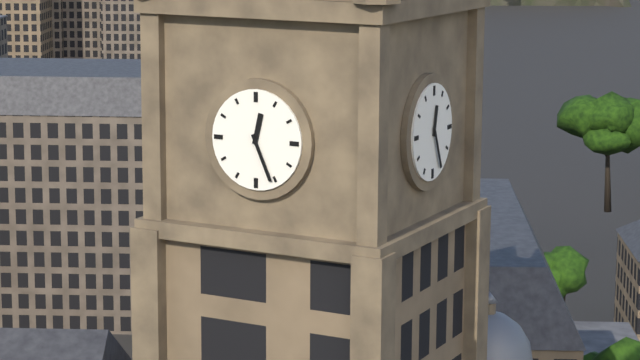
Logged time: 12.26
